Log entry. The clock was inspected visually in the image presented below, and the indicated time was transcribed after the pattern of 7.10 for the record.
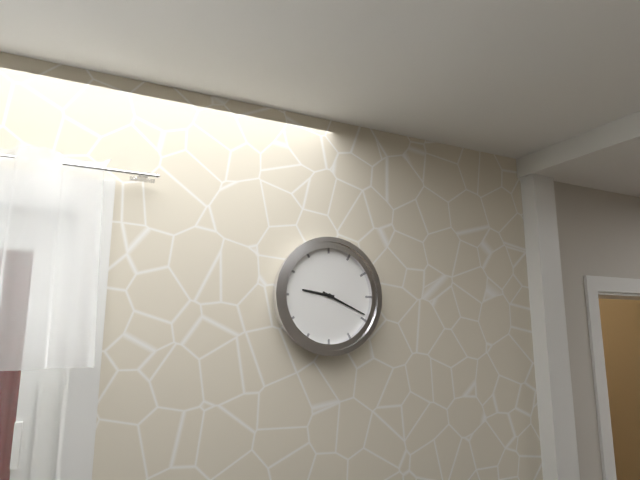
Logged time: 9.19
